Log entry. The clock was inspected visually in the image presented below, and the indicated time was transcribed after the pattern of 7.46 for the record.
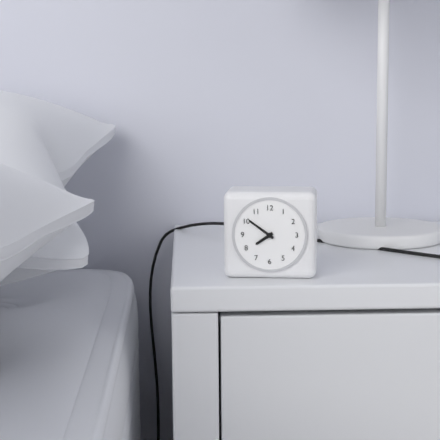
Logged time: 7.51
